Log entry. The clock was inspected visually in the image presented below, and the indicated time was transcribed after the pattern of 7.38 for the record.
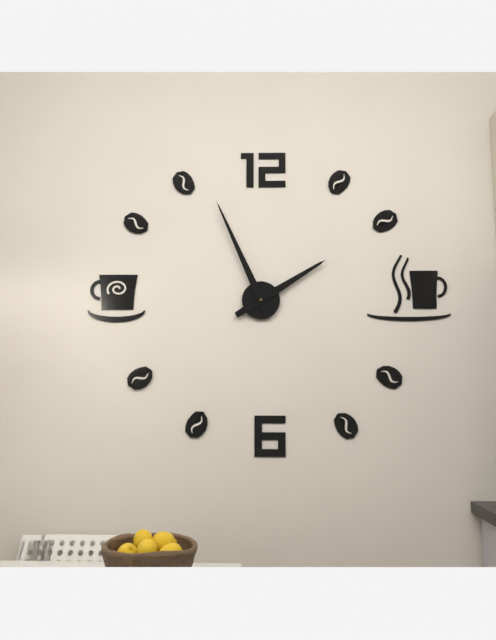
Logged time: 1.56
